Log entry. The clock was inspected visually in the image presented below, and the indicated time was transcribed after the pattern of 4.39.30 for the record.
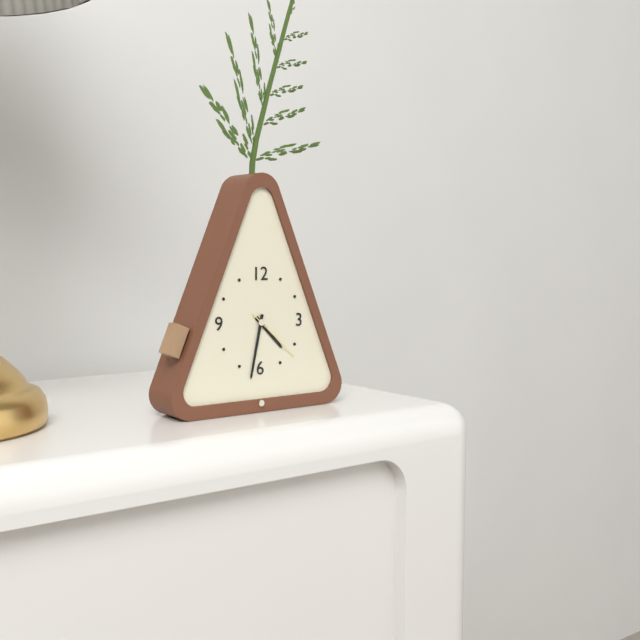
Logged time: 4.32.22
